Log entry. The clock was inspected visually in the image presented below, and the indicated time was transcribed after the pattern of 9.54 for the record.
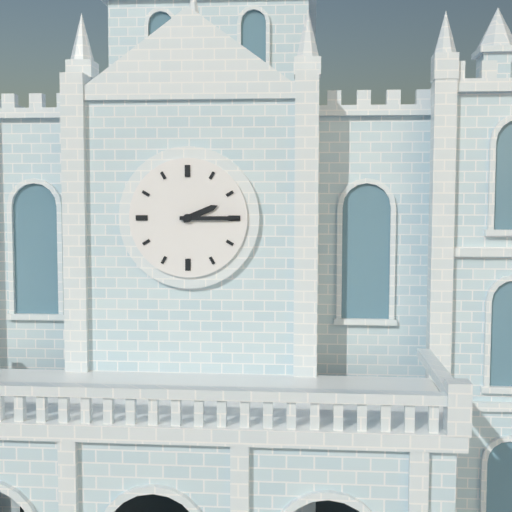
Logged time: 2.15
